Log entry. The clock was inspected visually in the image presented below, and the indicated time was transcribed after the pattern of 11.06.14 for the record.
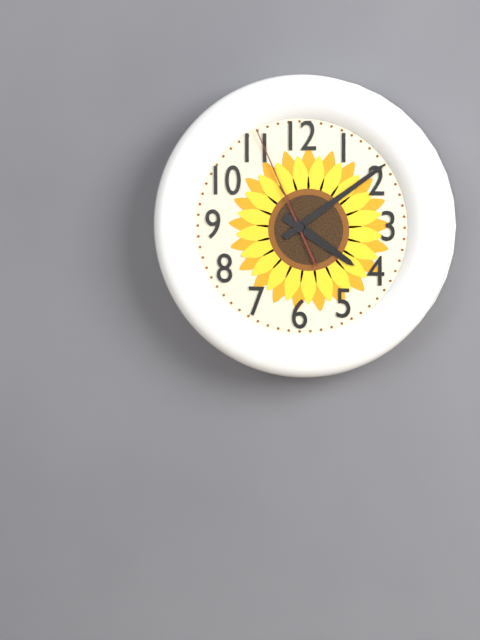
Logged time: 4.09.56
